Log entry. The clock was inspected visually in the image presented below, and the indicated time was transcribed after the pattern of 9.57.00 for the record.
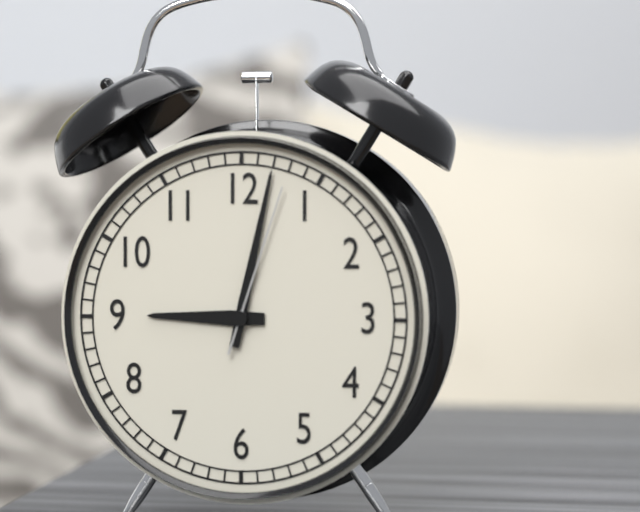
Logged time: 9.02.03
